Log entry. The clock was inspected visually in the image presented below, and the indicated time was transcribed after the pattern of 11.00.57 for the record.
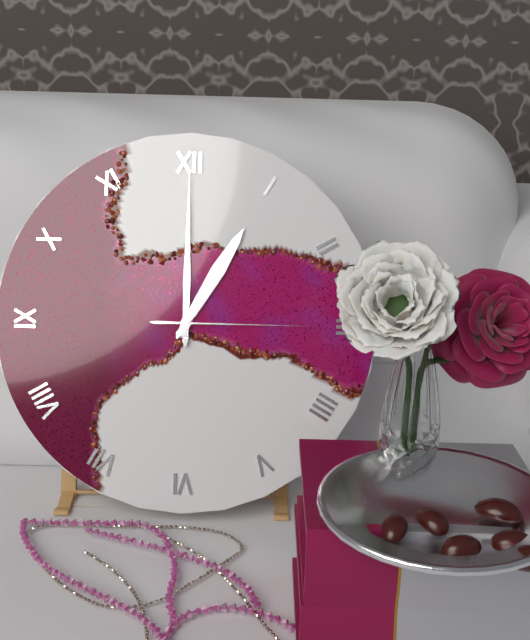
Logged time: 1.00.15
